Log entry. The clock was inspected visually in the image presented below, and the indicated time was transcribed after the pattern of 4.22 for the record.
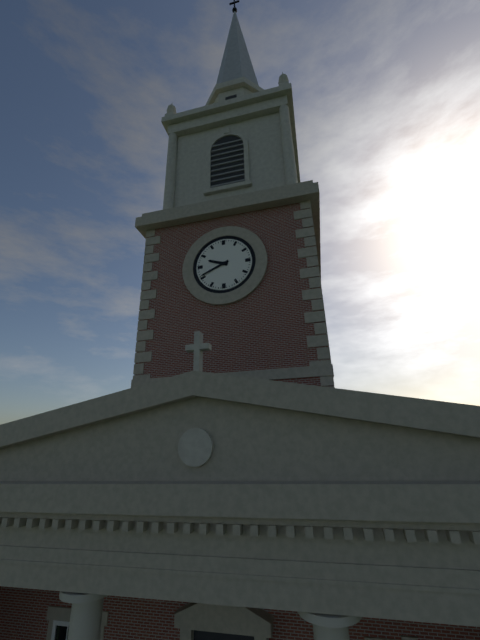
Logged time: 9.41
